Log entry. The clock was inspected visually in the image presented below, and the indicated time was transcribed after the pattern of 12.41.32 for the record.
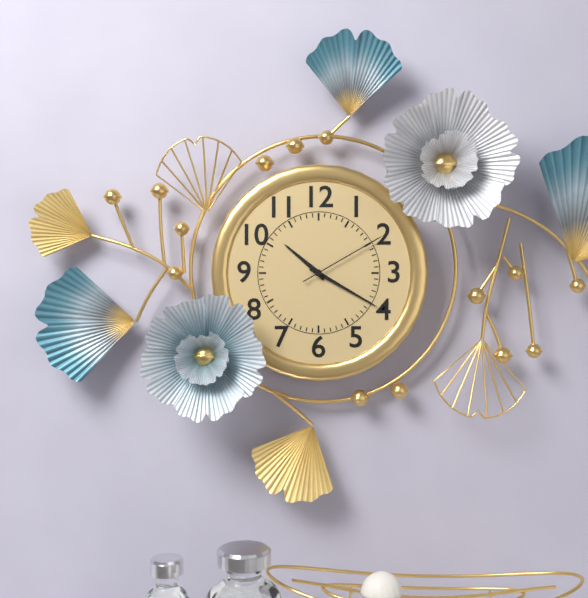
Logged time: 10.20.10
